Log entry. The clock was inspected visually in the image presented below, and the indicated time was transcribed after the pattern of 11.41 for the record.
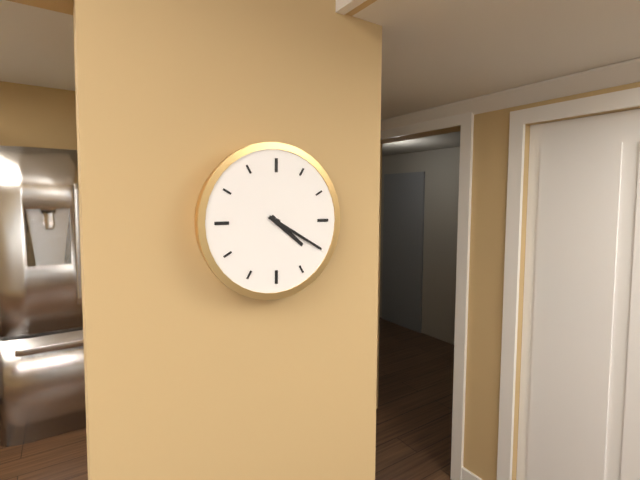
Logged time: 4.20
